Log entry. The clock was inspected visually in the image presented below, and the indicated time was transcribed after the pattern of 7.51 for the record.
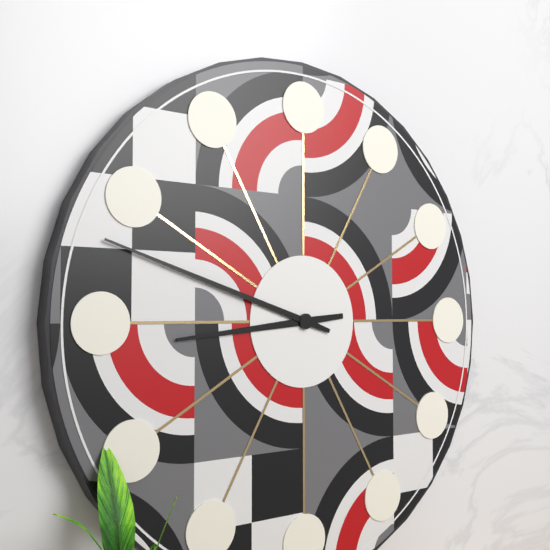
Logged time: 8.48
